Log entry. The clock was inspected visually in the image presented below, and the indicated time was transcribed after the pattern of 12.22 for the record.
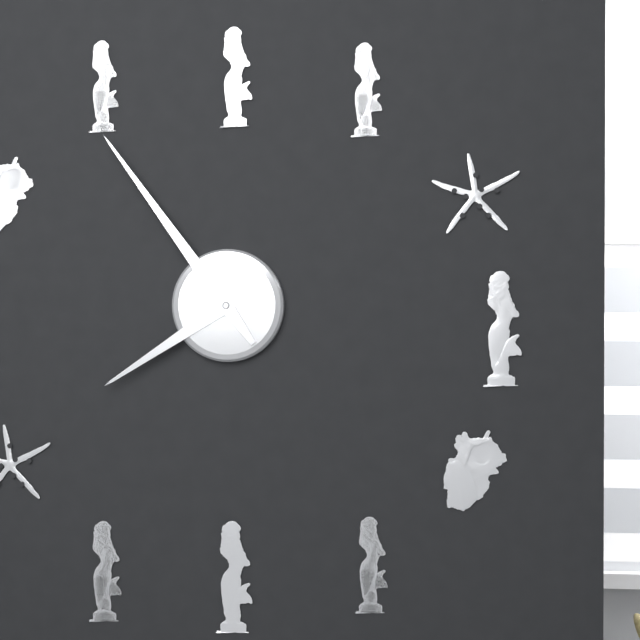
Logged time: 7.54
